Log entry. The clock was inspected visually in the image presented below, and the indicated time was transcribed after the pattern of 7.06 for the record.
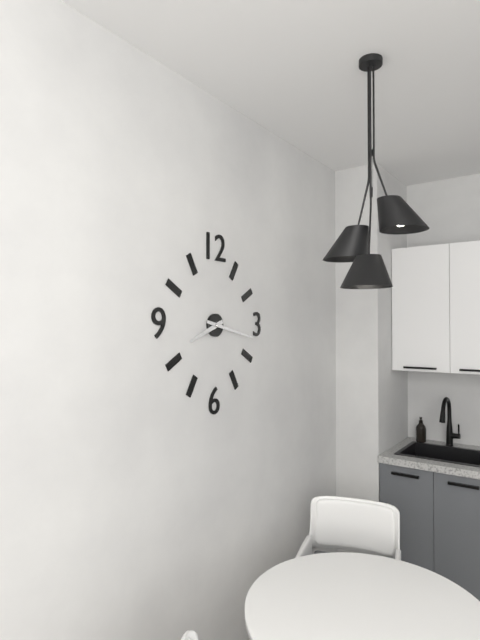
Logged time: 8.17
